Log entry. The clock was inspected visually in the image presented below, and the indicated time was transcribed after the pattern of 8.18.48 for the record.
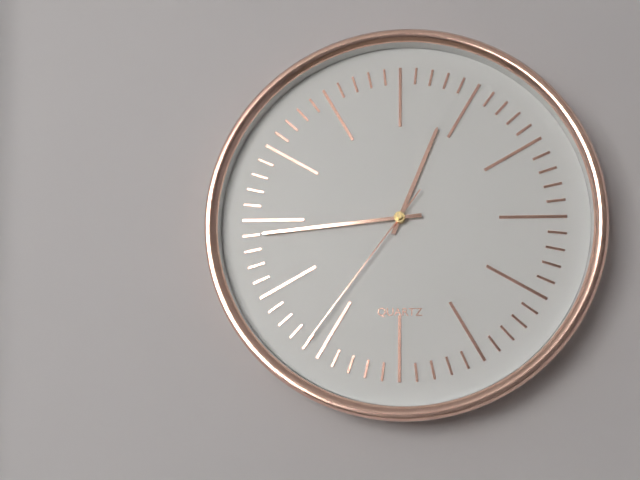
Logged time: 12.44.36
